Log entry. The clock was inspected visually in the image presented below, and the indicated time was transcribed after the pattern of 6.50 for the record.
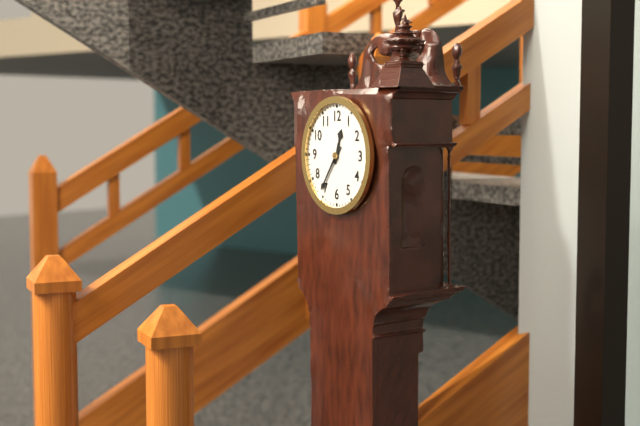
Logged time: 12.36
